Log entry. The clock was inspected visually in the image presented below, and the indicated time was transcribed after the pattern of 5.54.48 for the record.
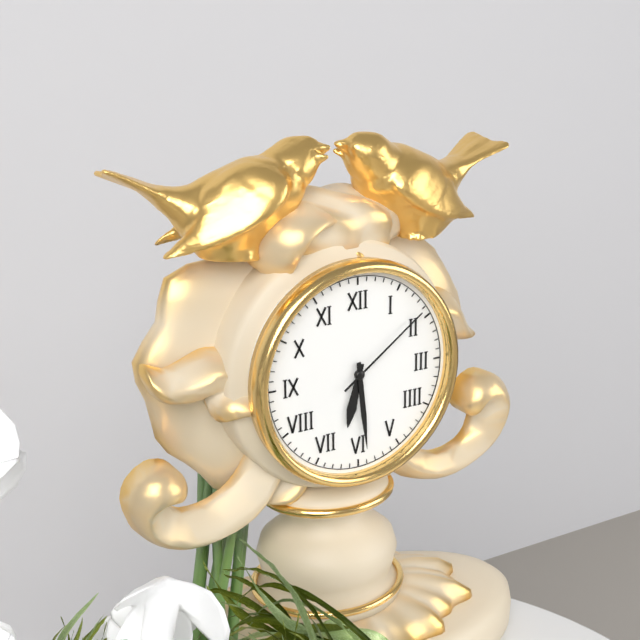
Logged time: 6.29.09
